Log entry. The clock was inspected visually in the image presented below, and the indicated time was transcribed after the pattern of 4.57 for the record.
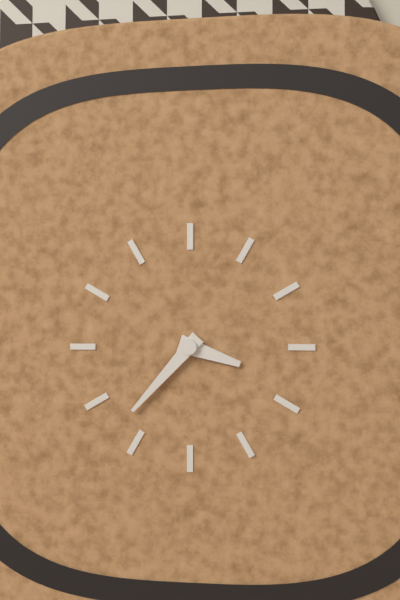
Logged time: 3.37
